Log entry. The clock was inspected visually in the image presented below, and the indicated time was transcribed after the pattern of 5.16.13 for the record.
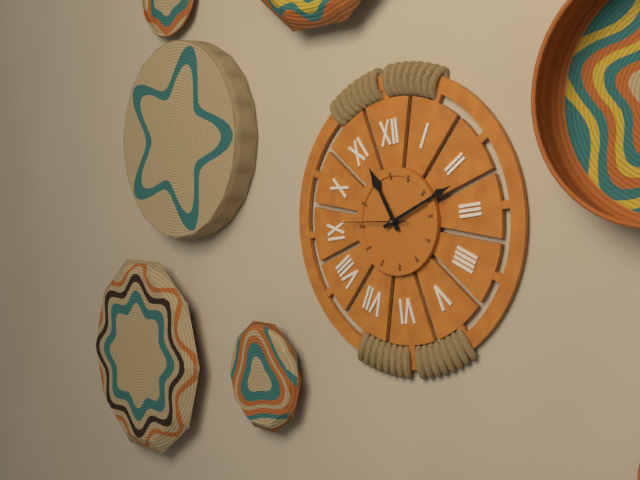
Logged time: 11.12.46
